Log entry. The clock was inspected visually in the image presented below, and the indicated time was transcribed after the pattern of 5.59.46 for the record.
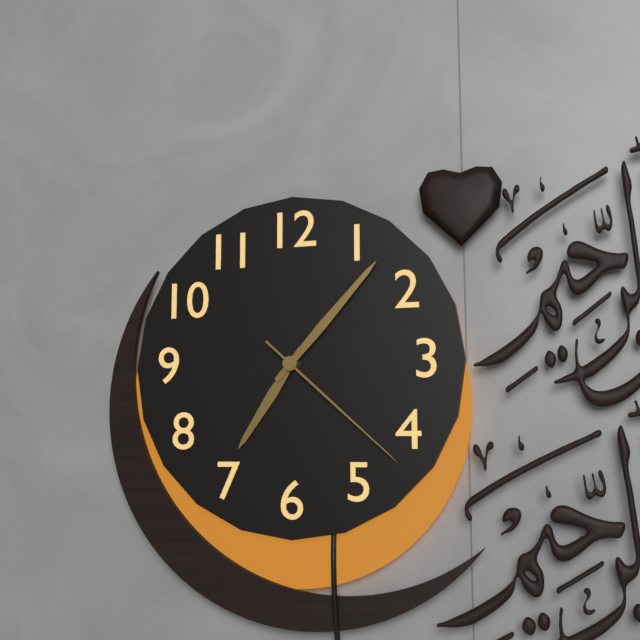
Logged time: 7.07.22
